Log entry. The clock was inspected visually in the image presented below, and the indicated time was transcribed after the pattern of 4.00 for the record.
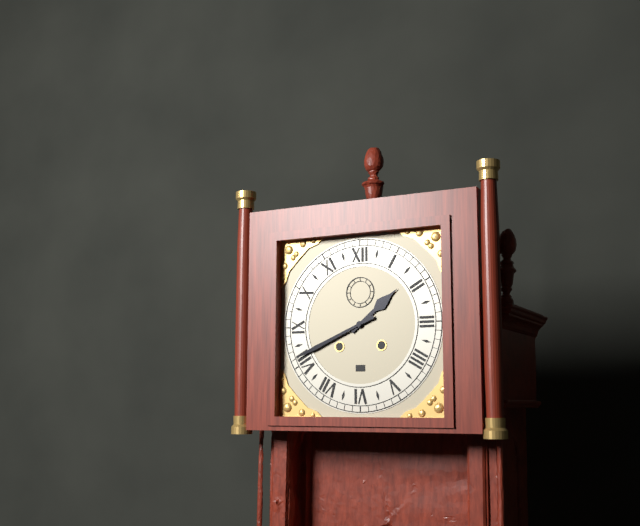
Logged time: 1.41
